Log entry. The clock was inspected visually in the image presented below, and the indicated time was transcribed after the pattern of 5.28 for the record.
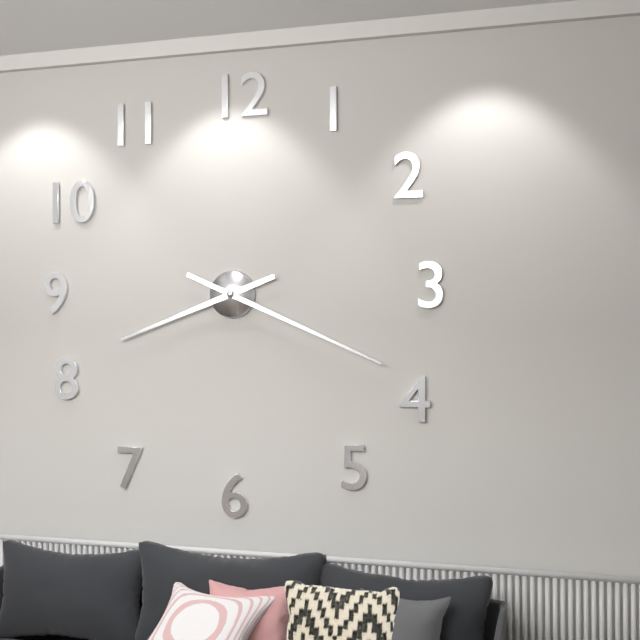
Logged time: 8.19
